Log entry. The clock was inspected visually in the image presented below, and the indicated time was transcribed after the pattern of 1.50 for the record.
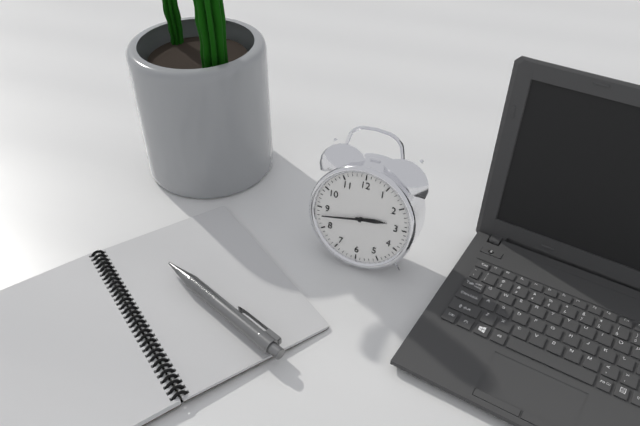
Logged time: 2.43
